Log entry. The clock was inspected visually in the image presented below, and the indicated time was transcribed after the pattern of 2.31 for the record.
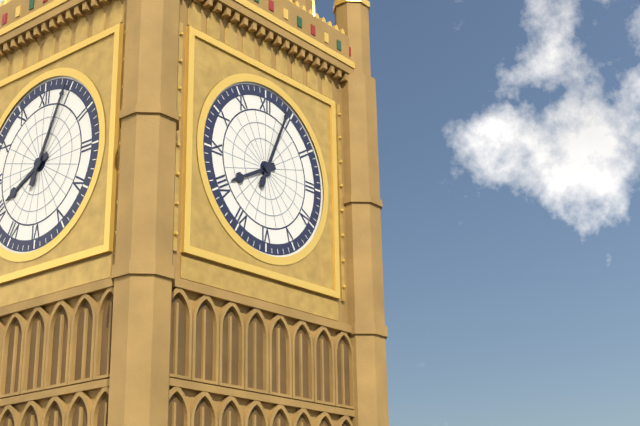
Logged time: 8.04
